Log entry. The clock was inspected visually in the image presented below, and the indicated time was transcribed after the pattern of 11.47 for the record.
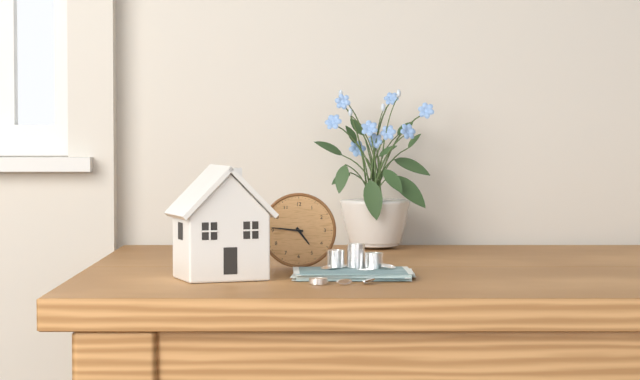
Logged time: 4.46
